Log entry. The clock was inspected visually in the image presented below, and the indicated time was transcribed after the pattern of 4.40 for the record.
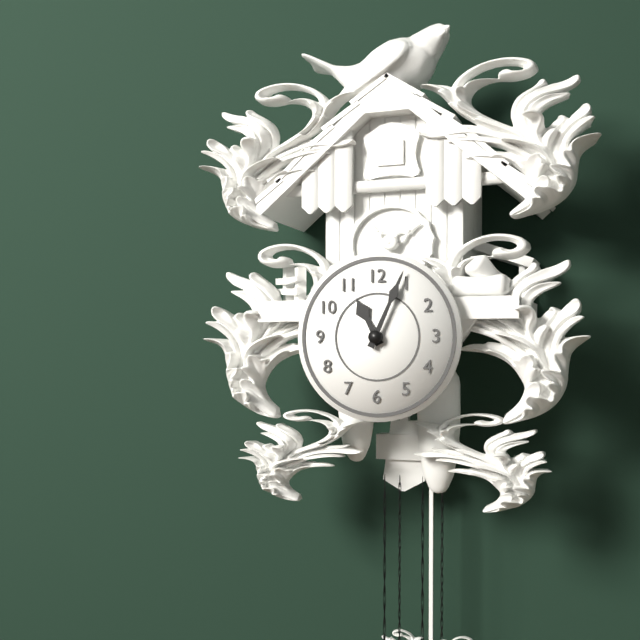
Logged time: 11.04
